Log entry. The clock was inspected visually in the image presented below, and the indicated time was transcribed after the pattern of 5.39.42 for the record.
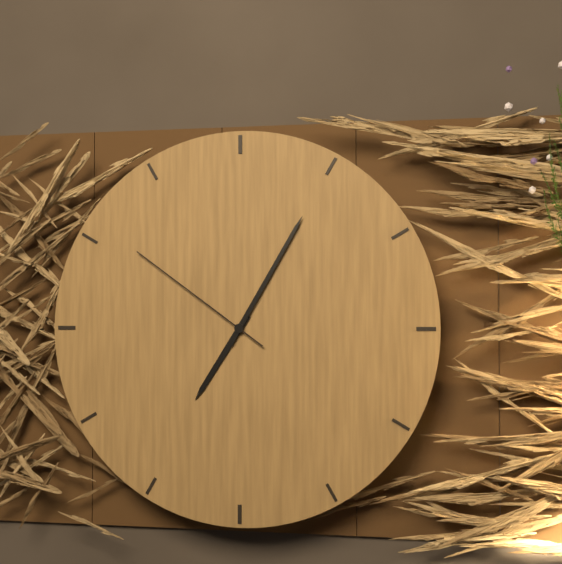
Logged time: 7.05.51
